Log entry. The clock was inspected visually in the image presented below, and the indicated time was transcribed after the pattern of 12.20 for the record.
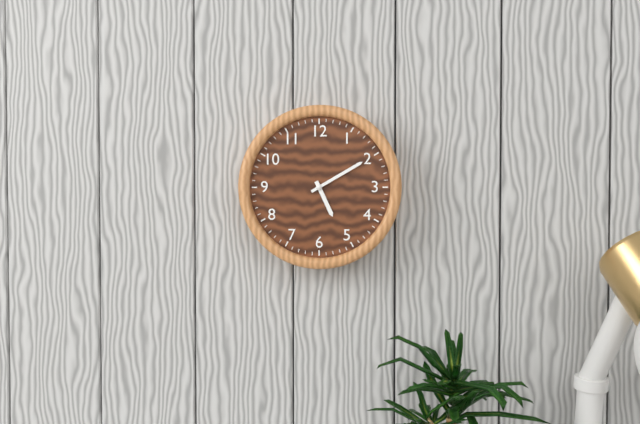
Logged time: 5.10
